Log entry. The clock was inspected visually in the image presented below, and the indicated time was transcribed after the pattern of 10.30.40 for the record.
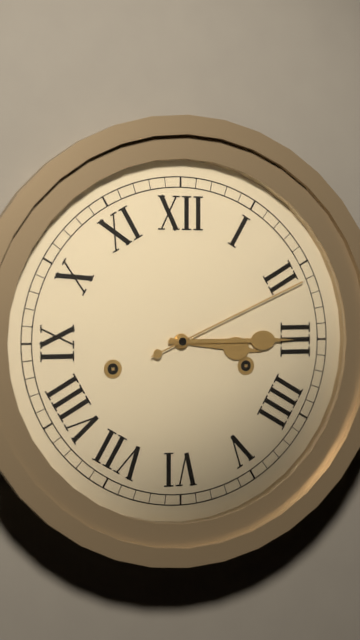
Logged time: 3.15.11
